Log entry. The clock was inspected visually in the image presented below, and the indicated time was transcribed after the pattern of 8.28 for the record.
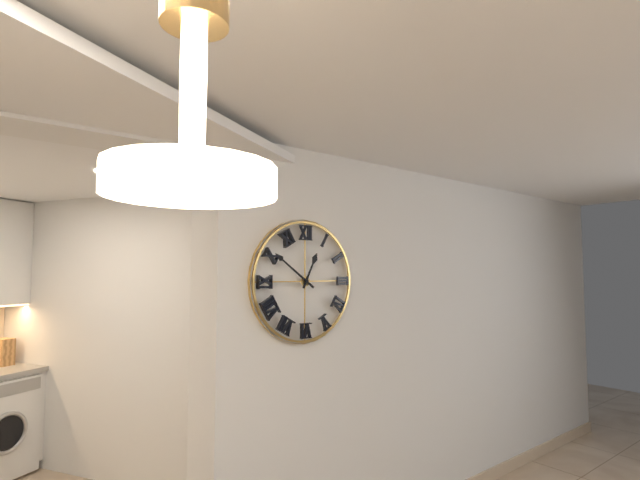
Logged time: 12.51
